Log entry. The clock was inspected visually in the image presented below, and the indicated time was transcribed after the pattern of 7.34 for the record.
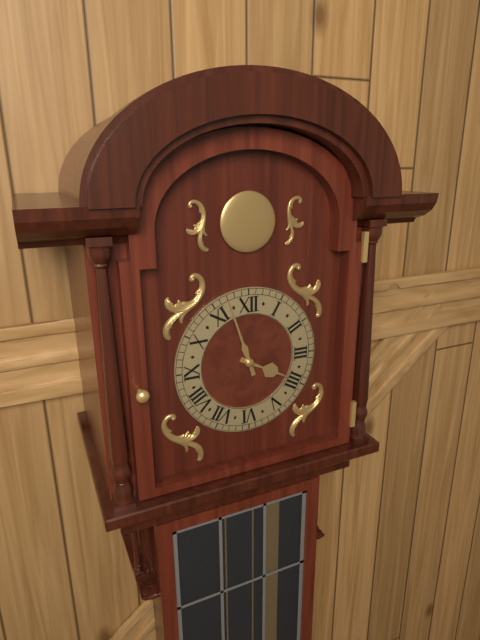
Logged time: 3.57
